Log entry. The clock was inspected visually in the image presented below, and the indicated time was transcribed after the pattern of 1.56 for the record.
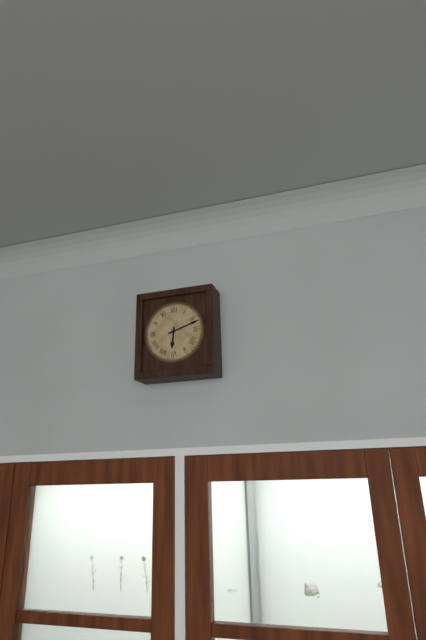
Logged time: 6.12
